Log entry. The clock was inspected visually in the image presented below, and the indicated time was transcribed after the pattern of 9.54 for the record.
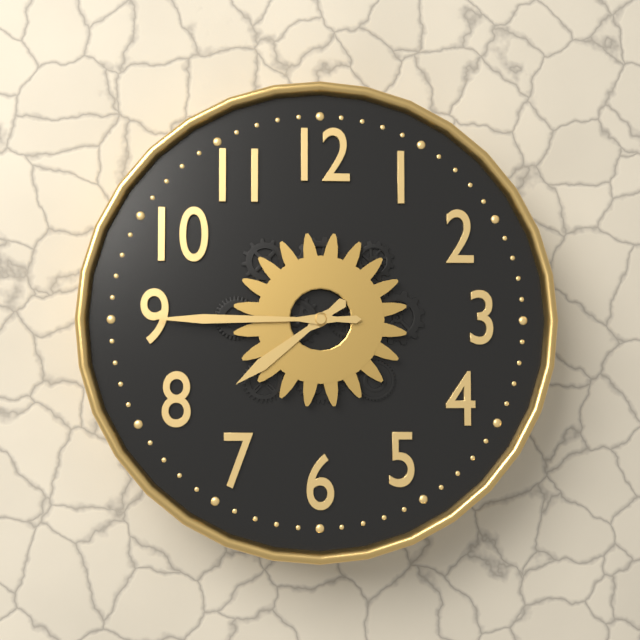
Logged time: 7.45
